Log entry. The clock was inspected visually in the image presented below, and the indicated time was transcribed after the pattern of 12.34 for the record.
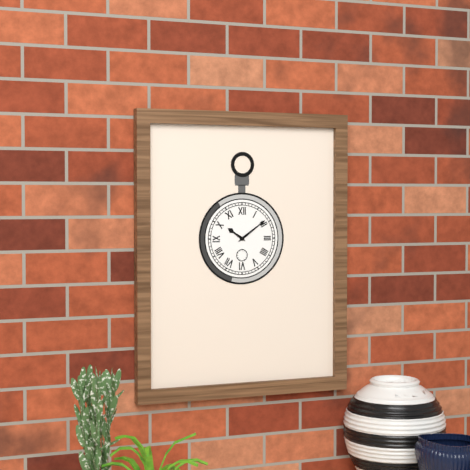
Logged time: 10.09
